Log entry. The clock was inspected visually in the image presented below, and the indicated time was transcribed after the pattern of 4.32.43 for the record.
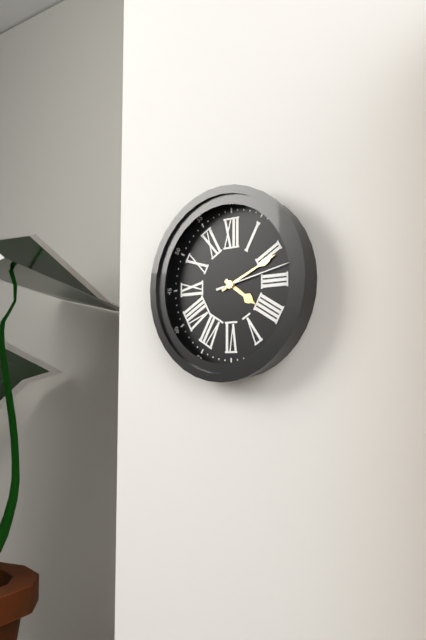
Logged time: 4.11.13
